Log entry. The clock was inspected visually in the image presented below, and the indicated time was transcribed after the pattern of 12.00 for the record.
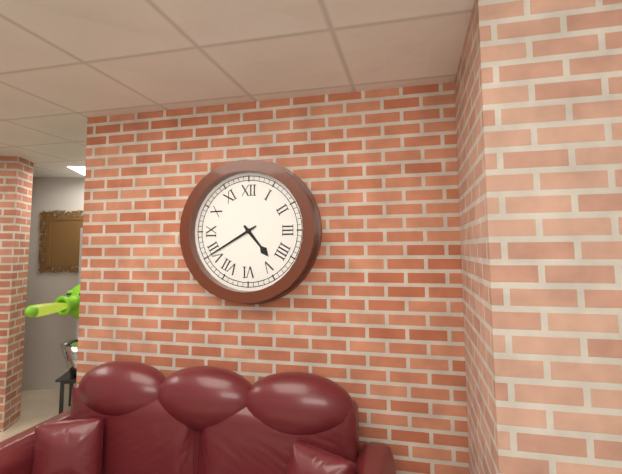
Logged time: 4.40
